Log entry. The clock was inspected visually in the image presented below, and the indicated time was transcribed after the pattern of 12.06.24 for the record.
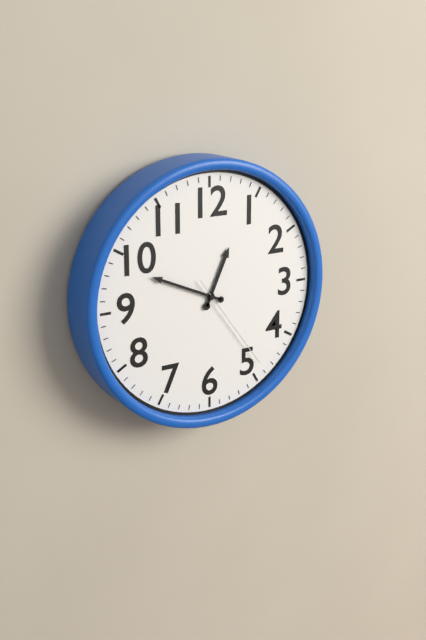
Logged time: 12.49.24
